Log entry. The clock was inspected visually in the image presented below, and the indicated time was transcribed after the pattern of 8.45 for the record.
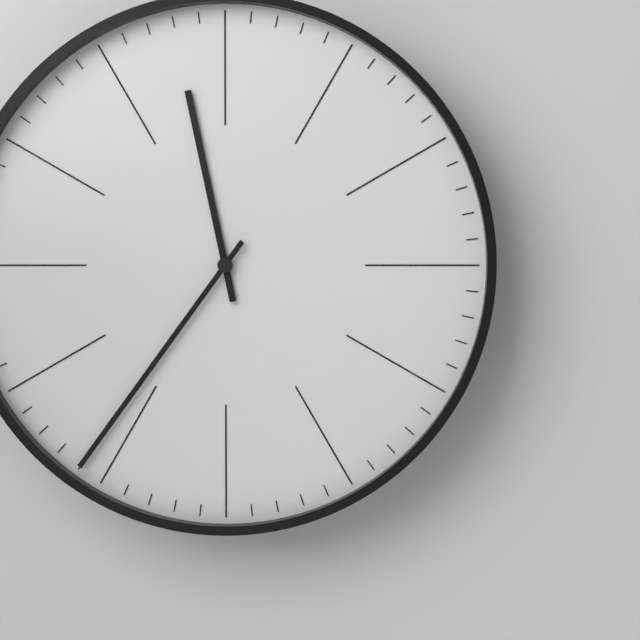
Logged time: 11.36
